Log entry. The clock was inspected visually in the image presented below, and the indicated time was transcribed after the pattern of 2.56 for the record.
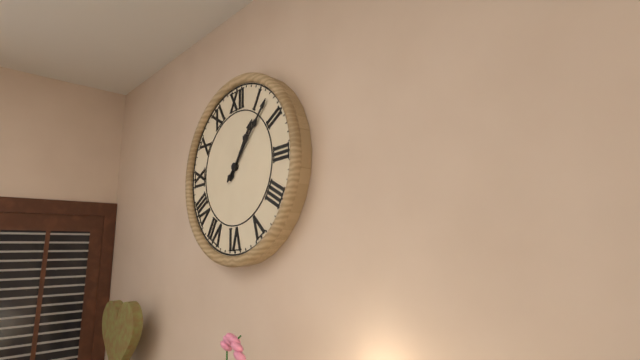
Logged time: 1.07
